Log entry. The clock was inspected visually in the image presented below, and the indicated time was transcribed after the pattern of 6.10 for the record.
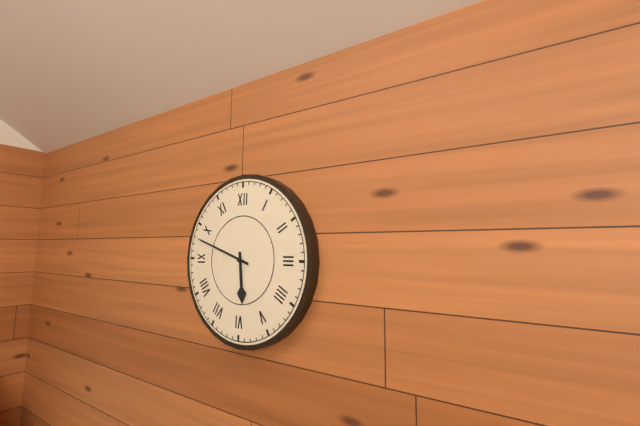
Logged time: 5.48
